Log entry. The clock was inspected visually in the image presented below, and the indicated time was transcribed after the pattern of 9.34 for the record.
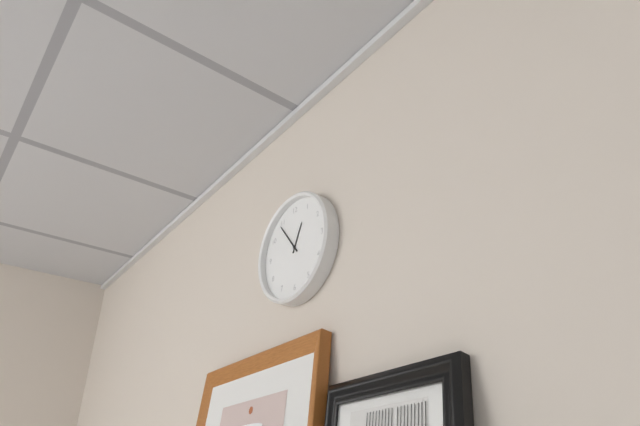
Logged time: 12.54
